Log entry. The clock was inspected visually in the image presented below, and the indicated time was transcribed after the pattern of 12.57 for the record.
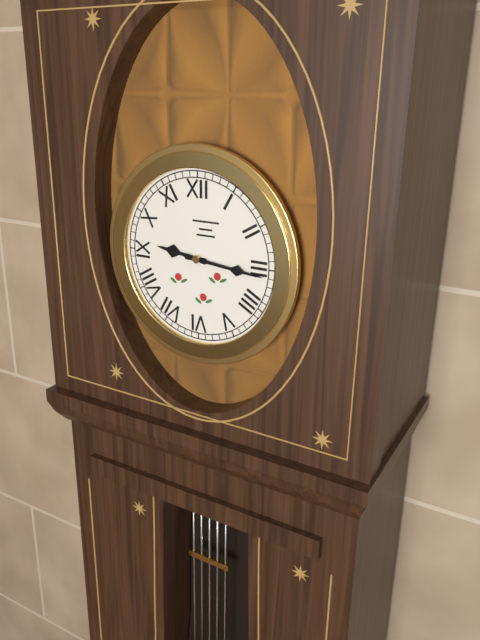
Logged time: 9.16
